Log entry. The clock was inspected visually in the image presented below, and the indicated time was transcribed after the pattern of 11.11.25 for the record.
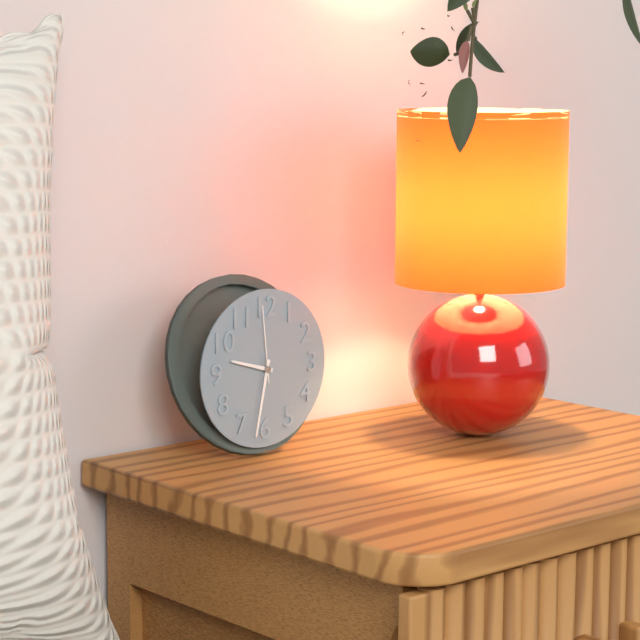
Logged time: 9.32.59
